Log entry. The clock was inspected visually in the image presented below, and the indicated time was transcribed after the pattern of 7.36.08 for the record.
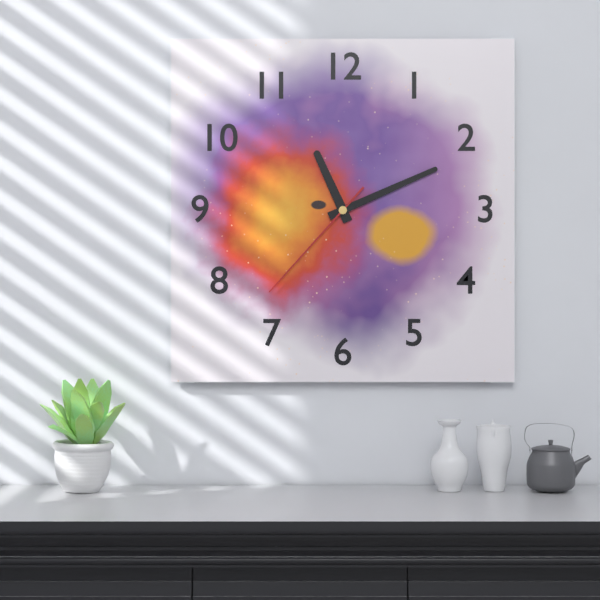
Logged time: 11.11.37
